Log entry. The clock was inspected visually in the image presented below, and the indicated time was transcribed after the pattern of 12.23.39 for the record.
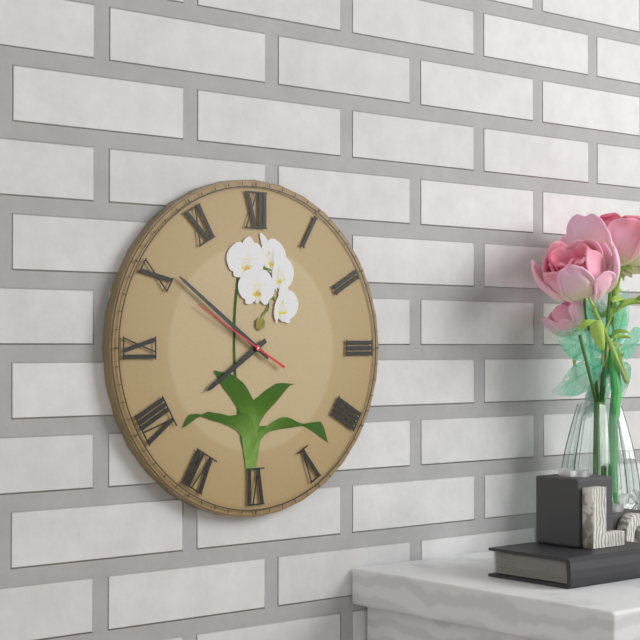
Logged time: 7.51.50
